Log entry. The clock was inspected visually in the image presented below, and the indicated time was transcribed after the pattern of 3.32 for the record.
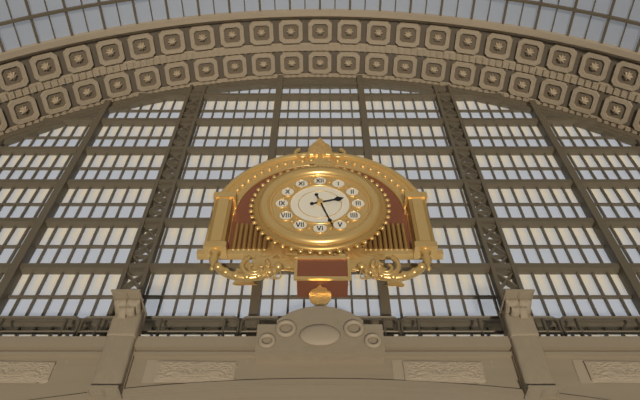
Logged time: 2.27
